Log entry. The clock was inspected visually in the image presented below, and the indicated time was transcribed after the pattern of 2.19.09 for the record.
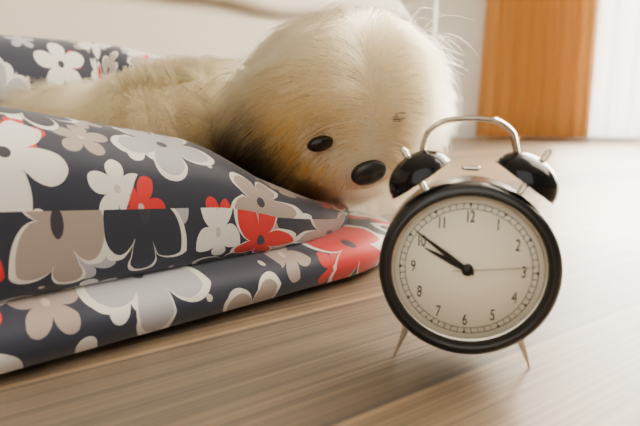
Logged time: 9.51.14
